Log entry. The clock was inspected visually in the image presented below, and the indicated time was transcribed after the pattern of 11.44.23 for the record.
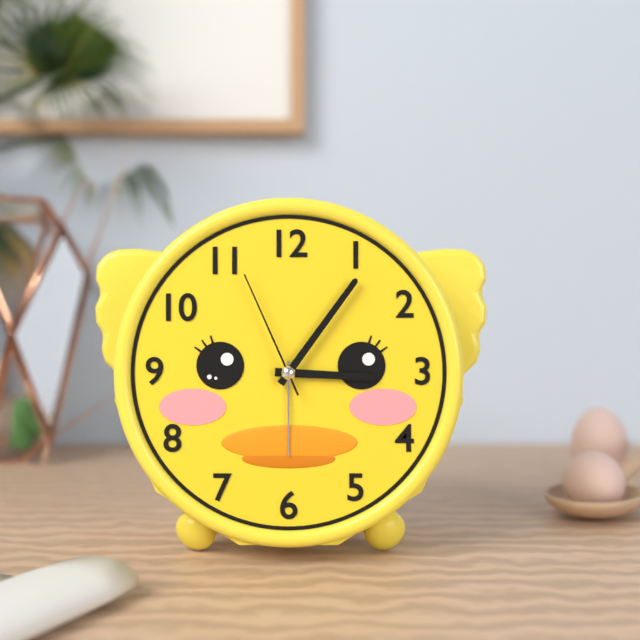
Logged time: 3.06.56
